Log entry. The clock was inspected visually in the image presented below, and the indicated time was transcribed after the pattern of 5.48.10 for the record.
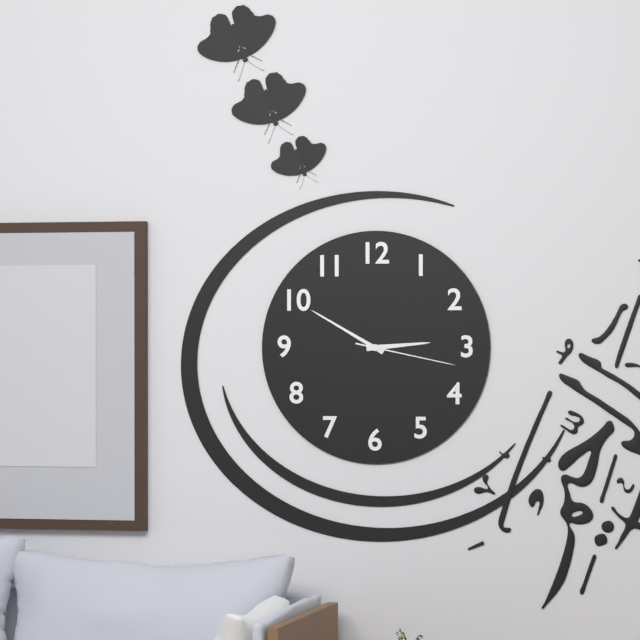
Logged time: 2.50.17
